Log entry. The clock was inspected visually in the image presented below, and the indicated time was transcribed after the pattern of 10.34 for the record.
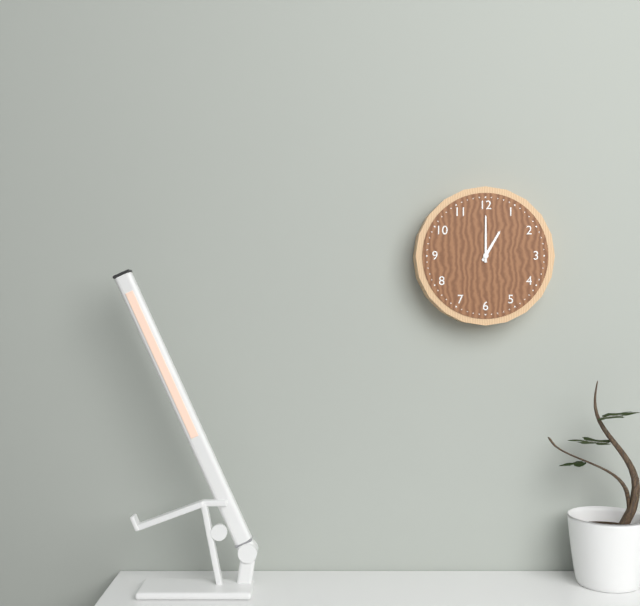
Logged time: 1.00
